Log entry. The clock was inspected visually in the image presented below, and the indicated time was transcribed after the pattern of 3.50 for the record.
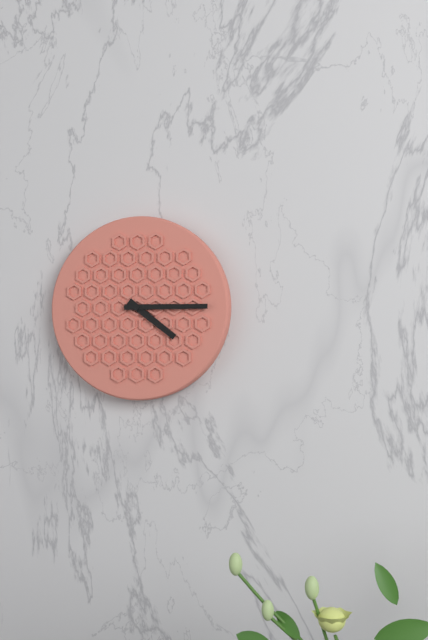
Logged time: 4.15
